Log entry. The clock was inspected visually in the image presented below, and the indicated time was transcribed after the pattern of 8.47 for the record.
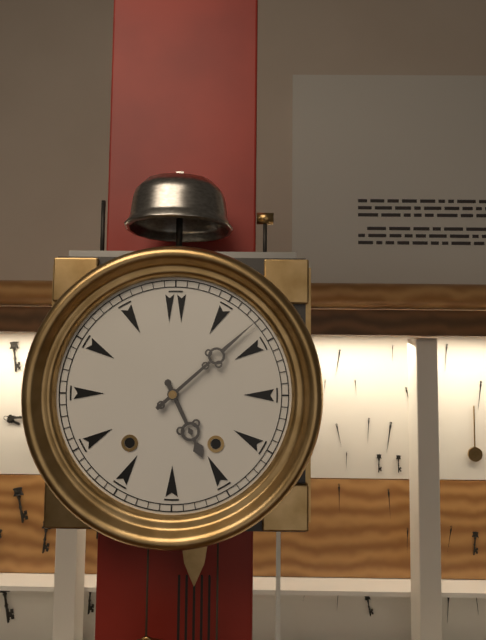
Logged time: 5.08
